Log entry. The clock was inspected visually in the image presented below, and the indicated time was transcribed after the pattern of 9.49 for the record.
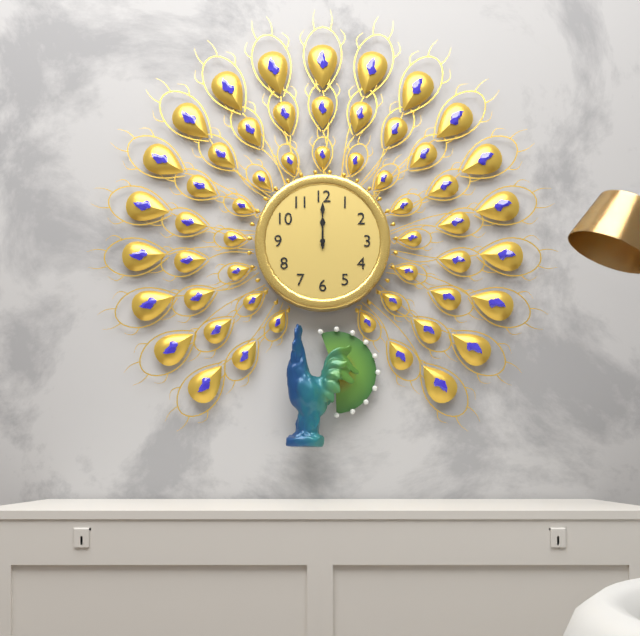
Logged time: 12.00
